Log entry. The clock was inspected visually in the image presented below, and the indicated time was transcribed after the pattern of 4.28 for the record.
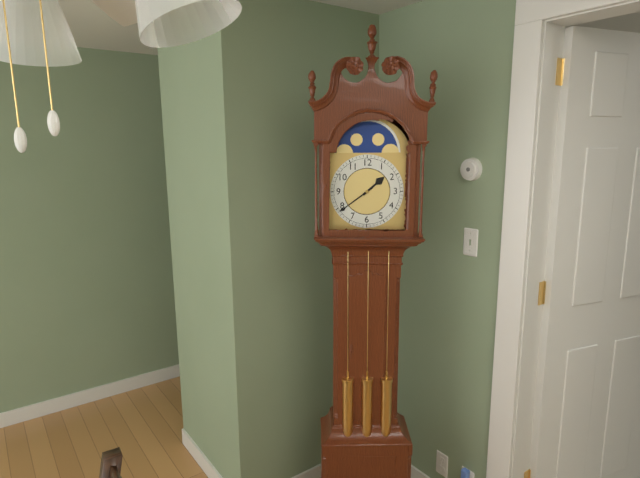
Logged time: 1.39
